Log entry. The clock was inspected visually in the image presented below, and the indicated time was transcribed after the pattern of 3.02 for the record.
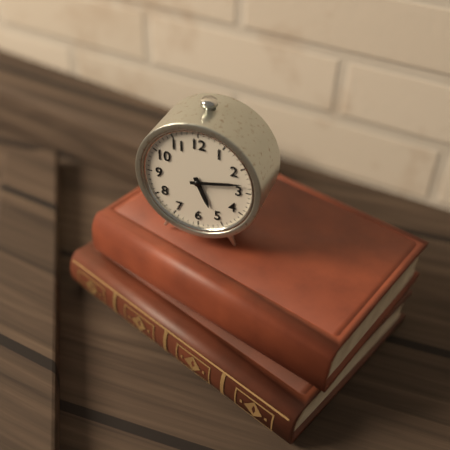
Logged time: 5.13
